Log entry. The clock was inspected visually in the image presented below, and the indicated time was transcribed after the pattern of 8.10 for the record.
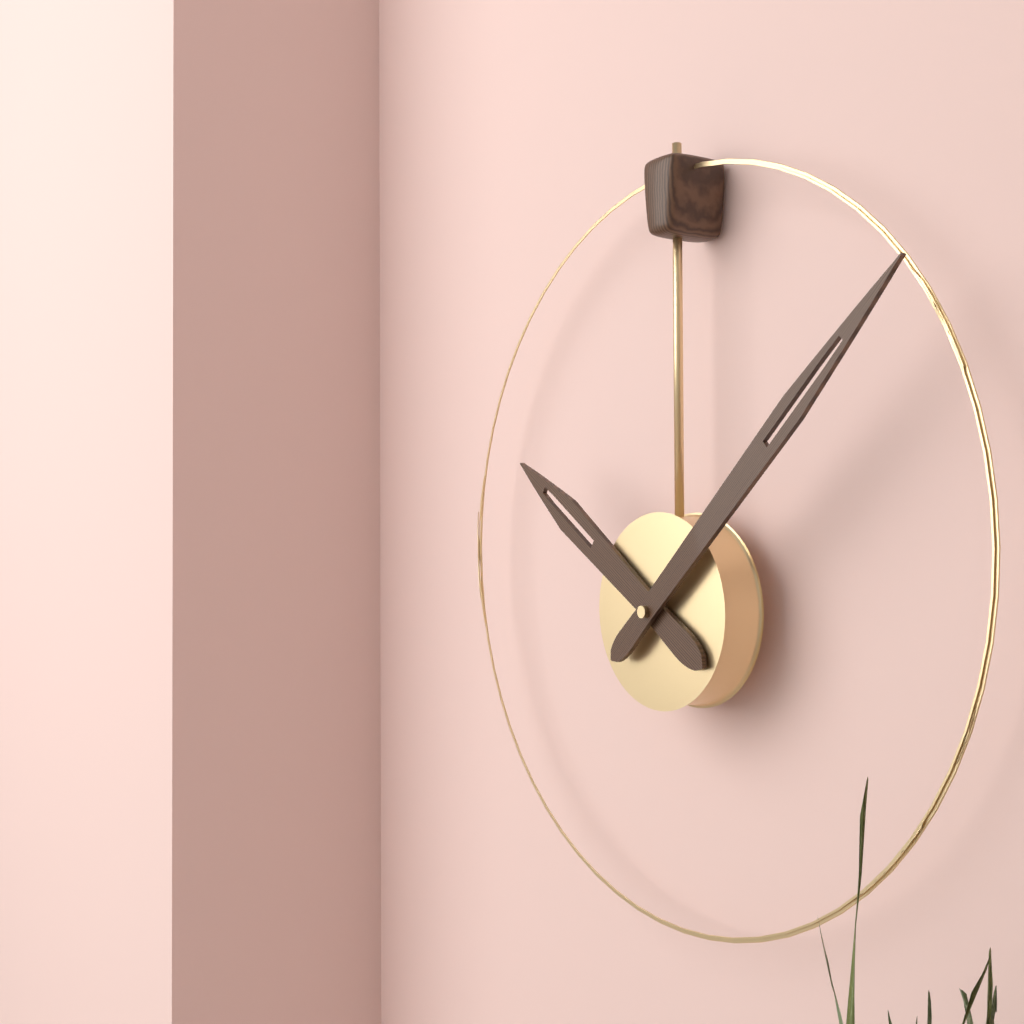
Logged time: 10.08
